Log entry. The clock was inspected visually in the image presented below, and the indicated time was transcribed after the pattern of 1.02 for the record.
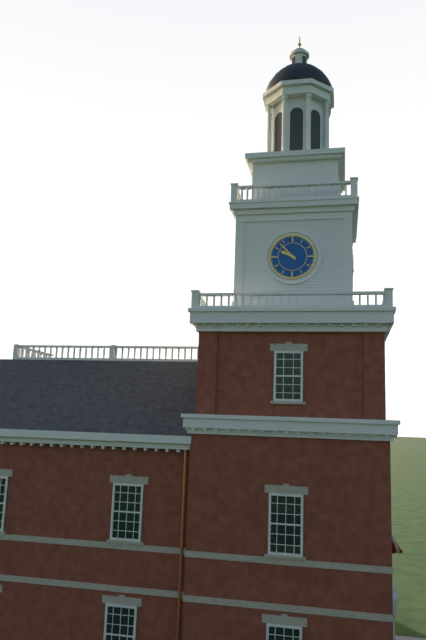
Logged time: 9.53
